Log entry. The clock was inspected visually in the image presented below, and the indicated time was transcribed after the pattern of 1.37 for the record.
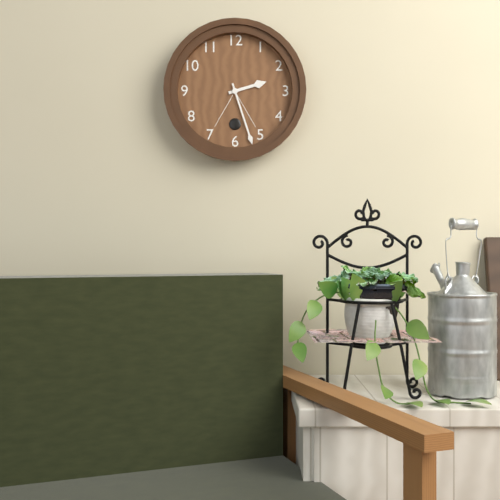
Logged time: 2.27
